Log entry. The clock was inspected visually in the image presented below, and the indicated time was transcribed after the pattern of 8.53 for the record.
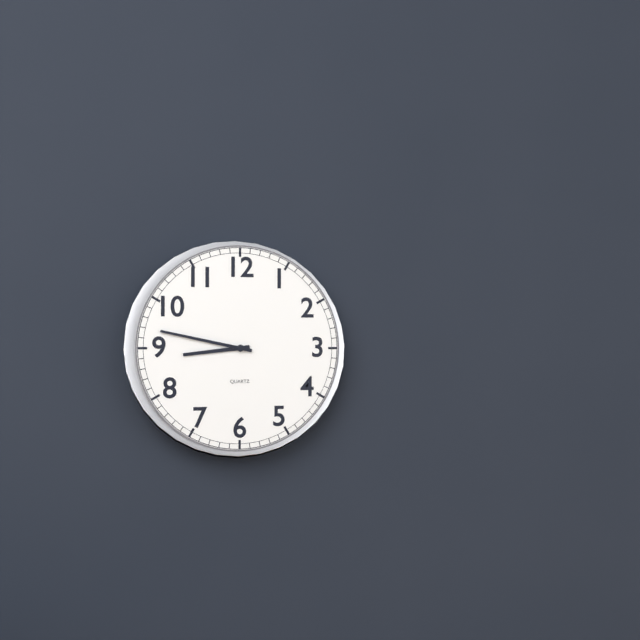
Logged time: 8.47
